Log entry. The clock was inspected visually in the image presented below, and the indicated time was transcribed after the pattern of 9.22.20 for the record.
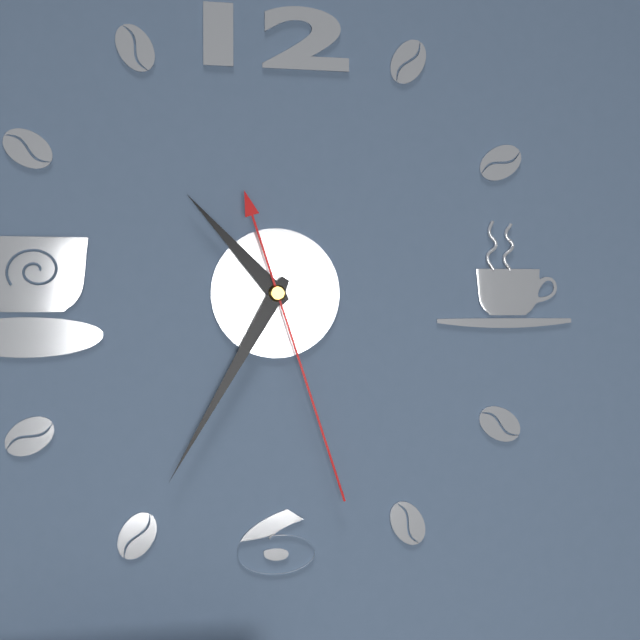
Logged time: 10.35.27
